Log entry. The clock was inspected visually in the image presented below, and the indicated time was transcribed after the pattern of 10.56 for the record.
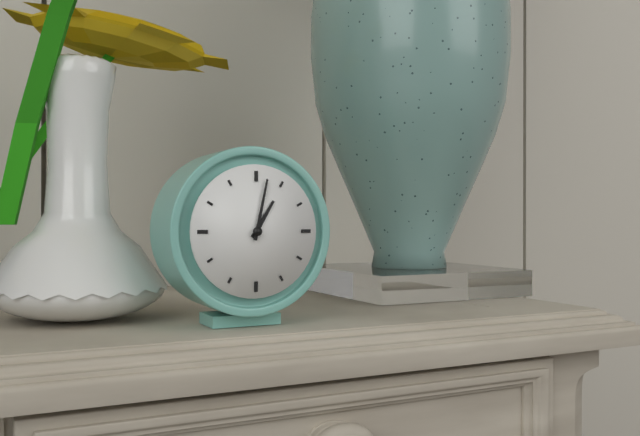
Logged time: 1.02
